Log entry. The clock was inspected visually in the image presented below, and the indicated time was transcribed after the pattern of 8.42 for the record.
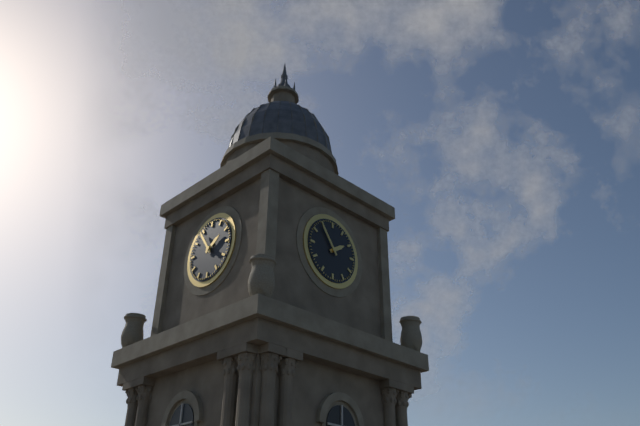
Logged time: 1.54
